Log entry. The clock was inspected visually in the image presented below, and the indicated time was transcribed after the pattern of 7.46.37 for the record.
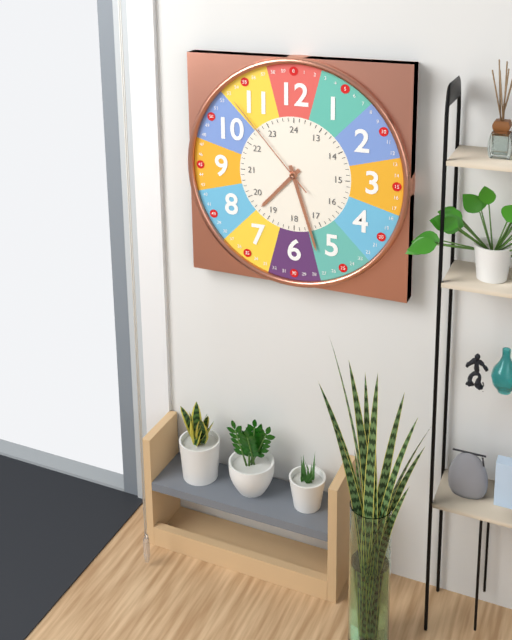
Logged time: 7.27.53
